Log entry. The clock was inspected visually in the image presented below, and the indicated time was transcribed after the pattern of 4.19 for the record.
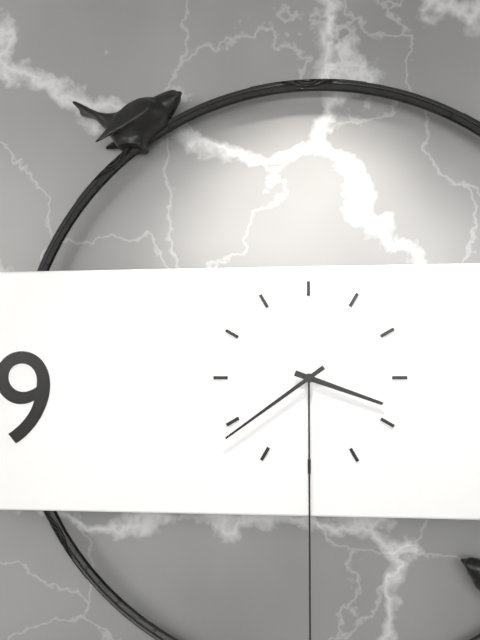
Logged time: 3.39
